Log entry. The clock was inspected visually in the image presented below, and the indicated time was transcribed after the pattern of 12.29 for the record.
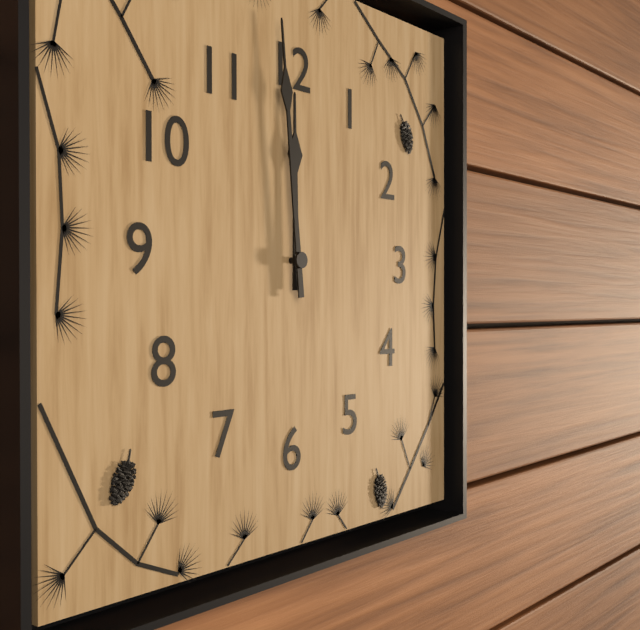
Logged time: 11.59
